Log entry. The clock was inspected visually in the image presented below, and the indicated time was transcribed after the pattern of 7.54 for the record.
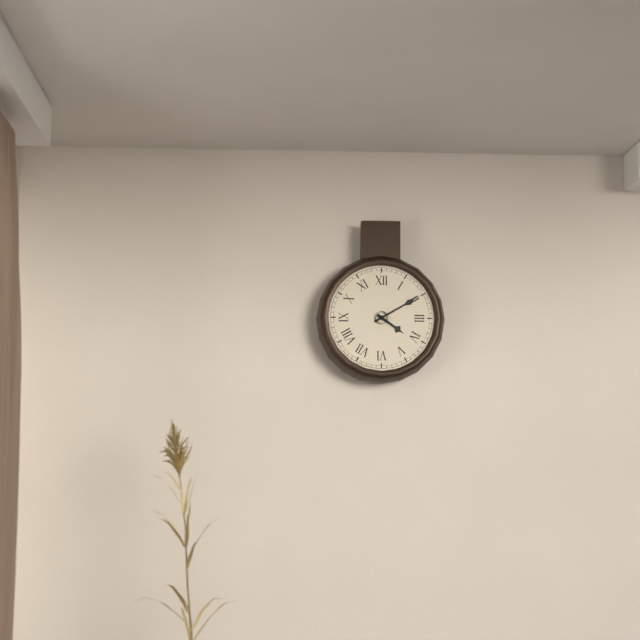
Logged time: 4.10
